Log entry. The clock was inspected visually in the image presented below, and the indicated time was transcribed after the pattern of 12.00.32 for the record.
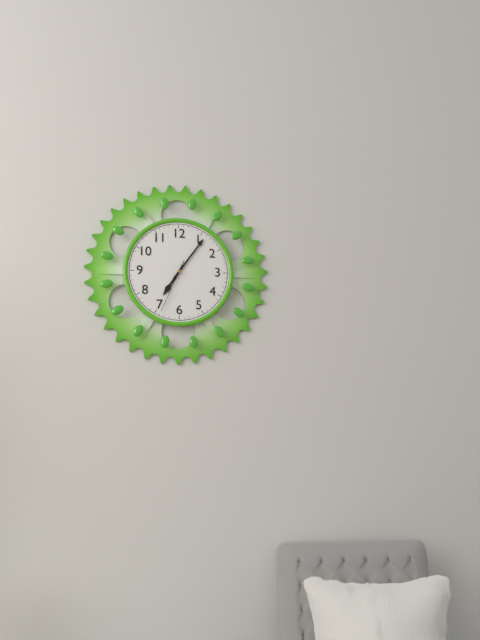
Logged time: 7.06.34
